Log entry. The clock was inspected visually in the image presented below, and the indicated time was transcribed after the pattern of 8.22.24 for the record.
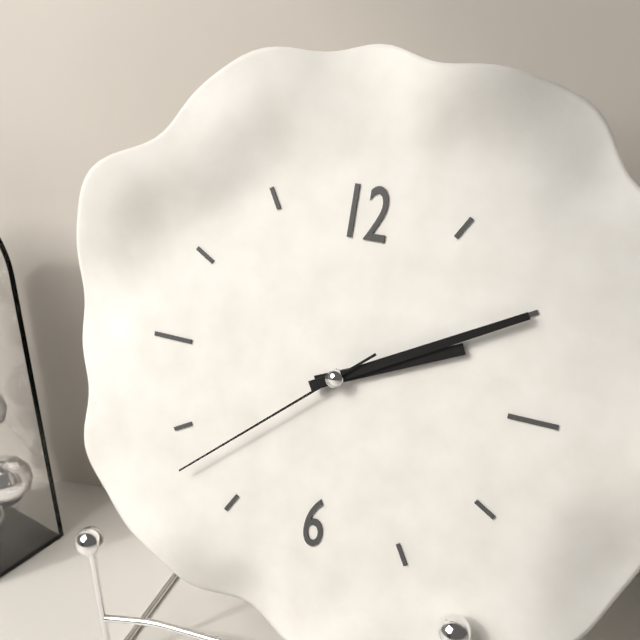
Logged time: 2.10.38
